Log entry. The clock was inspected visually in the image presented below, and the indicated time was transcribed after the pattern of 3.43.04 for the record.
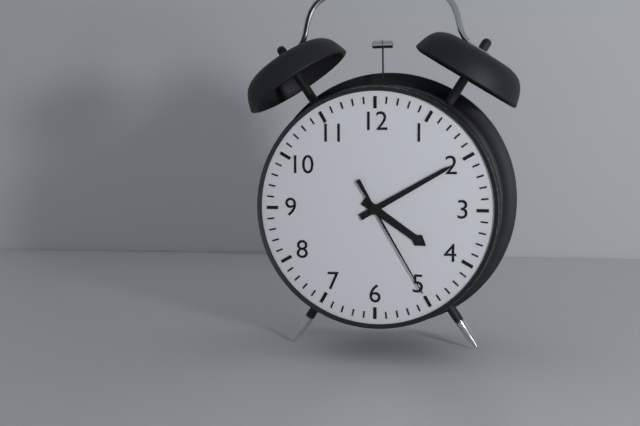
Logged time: 4.10.25
